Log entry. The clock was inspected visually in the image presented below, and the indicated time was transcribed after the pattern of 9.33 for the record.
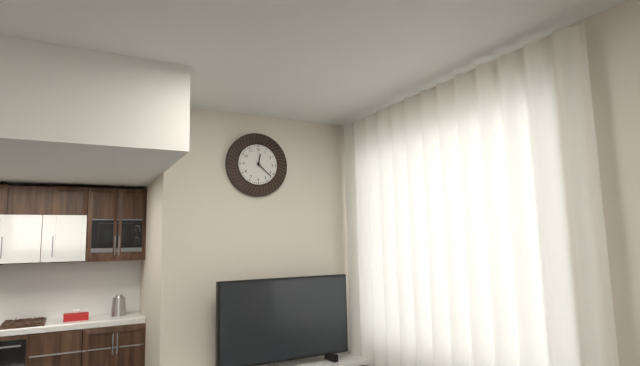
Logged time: 12.22
